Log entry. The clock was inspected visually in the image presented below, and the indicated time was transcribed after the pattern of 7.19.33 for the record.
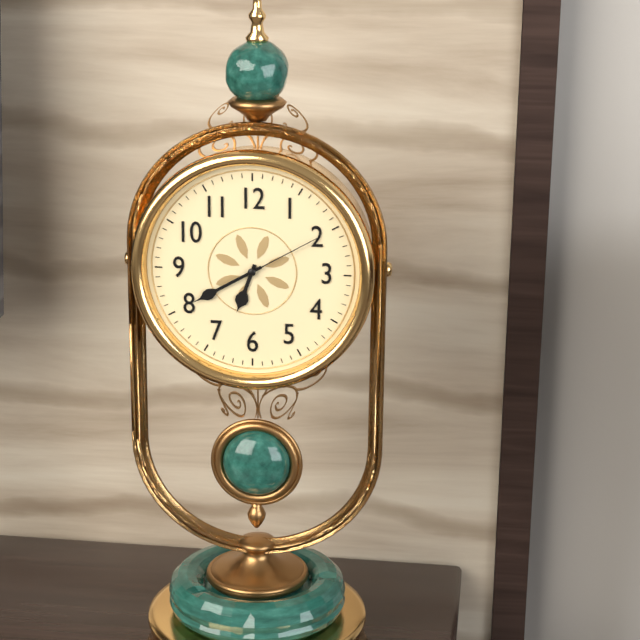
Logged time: 6.40.10
